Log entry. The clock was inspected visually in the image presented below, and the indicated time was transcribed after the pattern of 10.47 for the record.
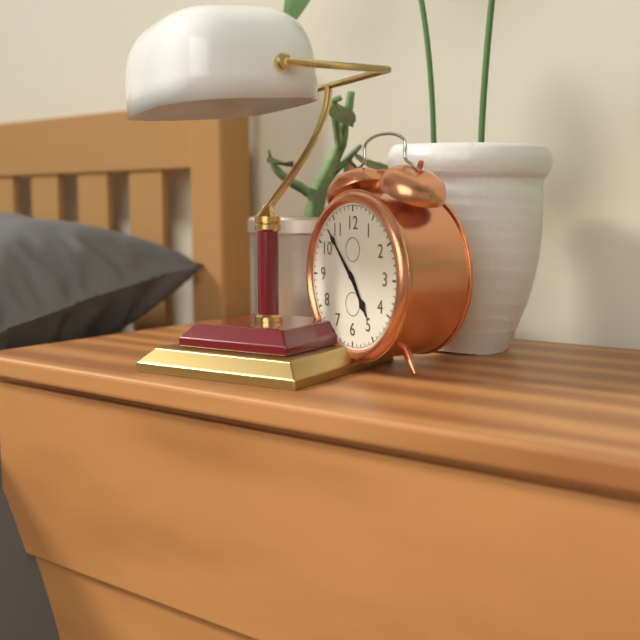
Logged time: 4.53
